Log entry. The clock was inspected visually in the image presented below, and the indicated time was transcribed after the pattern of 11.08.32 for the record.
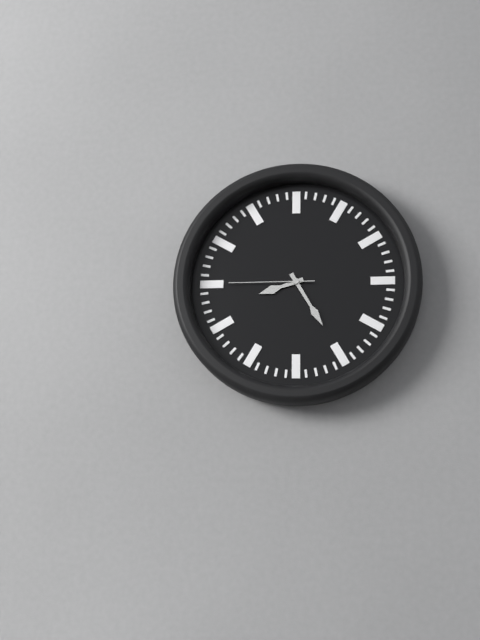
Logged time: 8.25.45
